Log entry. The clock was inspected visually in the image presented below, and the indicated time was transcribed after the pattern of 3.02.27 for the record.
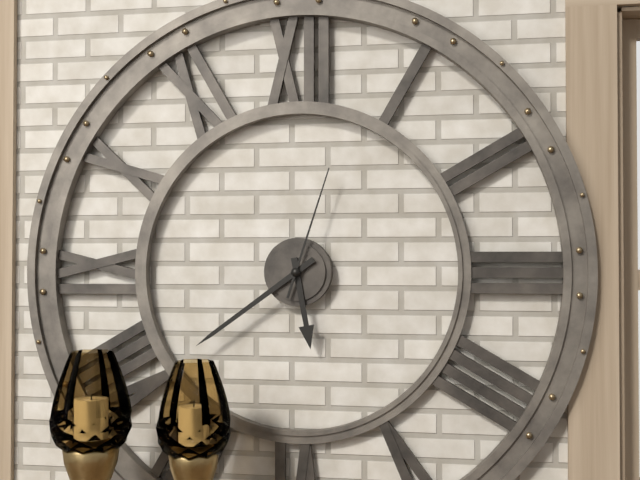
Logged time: 5.39.03
